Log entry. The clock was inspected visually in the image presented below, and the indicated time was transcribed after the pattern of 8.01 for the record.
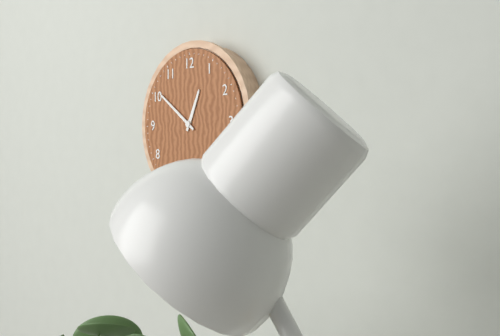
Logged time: 12.51
